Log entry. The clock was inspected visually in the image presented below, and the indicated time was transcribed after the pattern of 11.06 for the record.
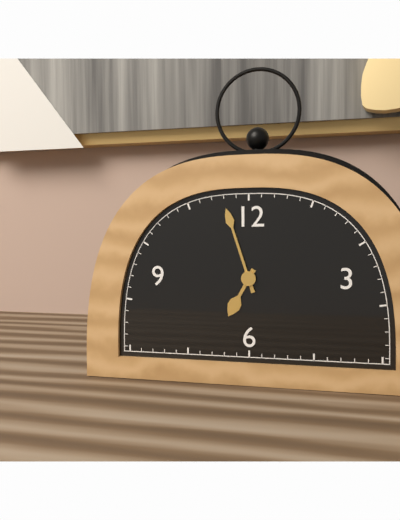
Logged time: 6.57
